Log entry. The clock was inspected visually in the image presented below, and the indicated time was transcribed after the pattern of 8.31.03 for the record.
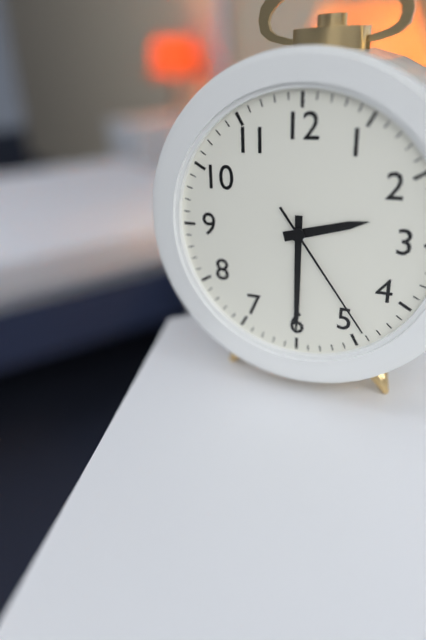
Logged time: 2.30.24
